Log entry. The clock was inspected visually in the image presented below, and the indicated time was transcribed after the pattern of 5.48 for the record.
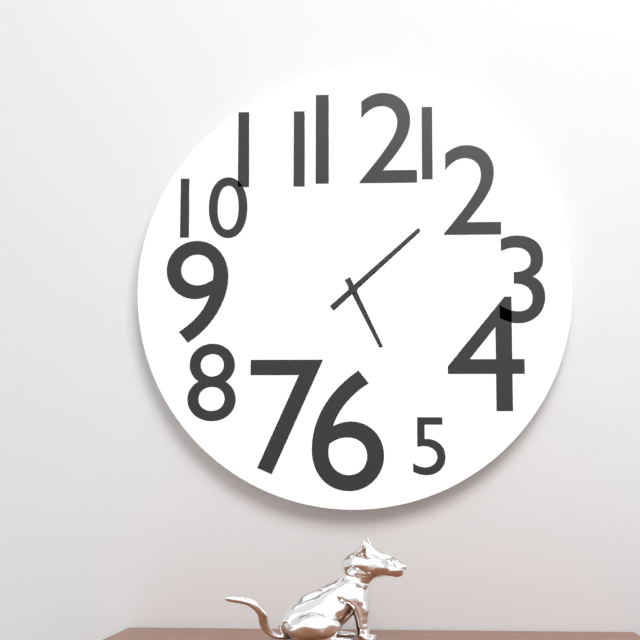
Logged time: 5.08
